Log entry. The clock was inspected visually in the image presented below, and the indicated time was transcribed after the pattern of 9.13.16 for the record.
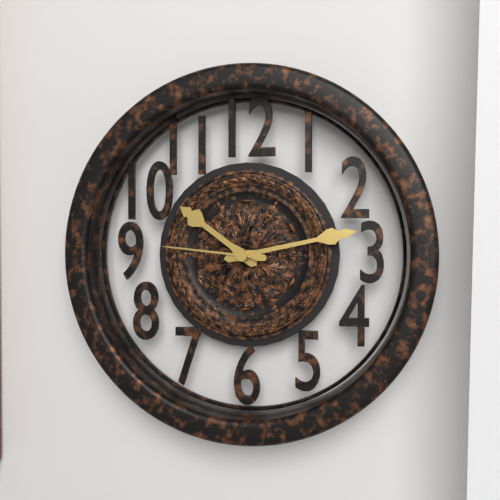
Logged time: 10.13.46
